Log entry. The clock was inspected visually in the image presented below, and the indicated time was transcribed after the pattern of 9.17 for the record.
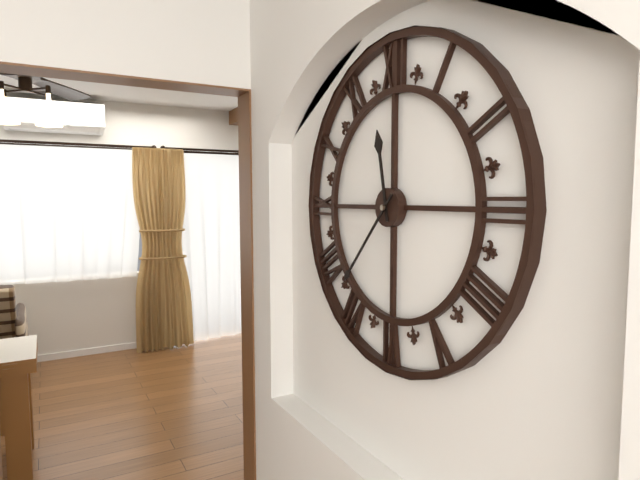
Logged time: 11.37
